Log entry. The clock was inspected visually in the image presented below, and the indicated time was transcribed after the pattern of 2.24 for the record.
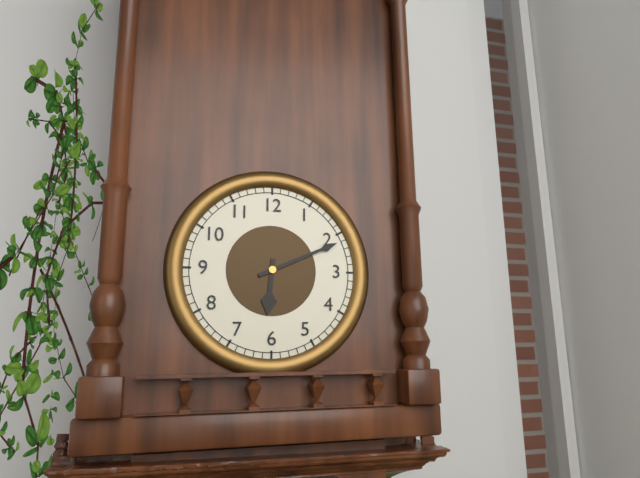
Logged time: 6.11
